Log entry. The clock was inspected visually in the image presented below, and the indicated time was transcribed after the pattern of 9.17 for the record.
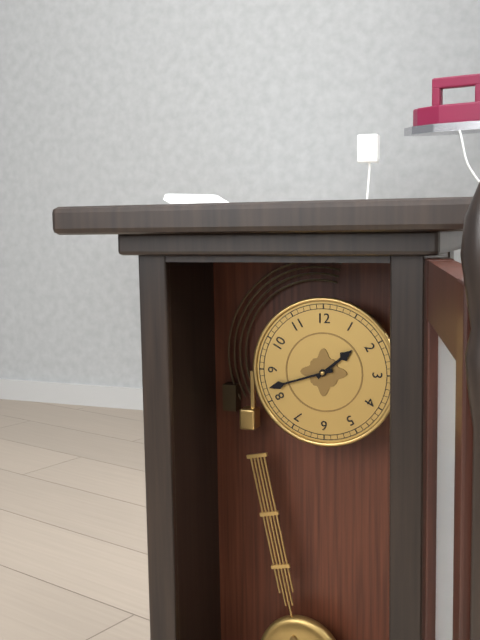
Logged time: 1.42
